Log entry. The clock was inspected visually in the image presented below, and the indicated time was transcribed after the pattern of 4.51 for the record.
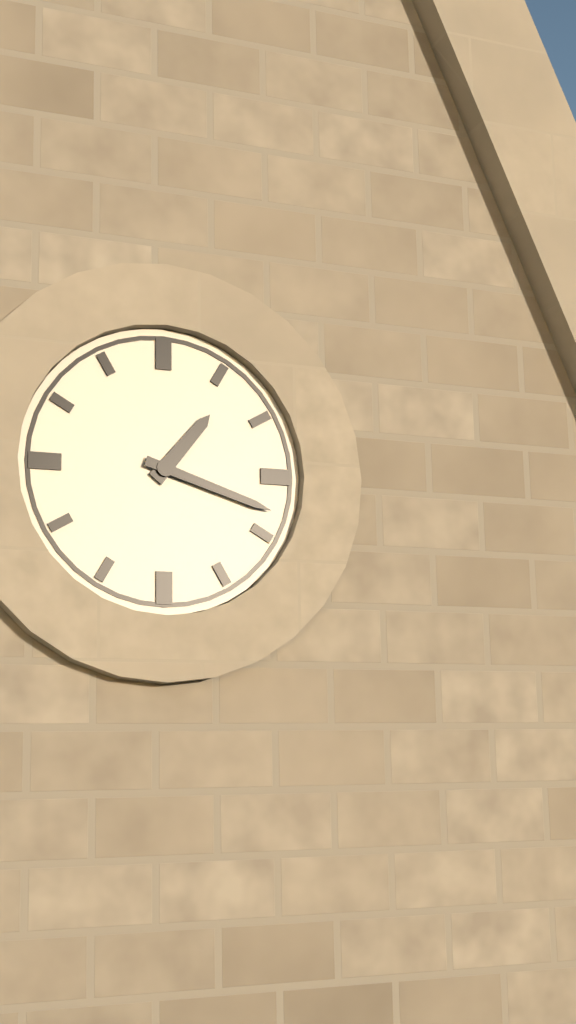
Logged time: 1.18
